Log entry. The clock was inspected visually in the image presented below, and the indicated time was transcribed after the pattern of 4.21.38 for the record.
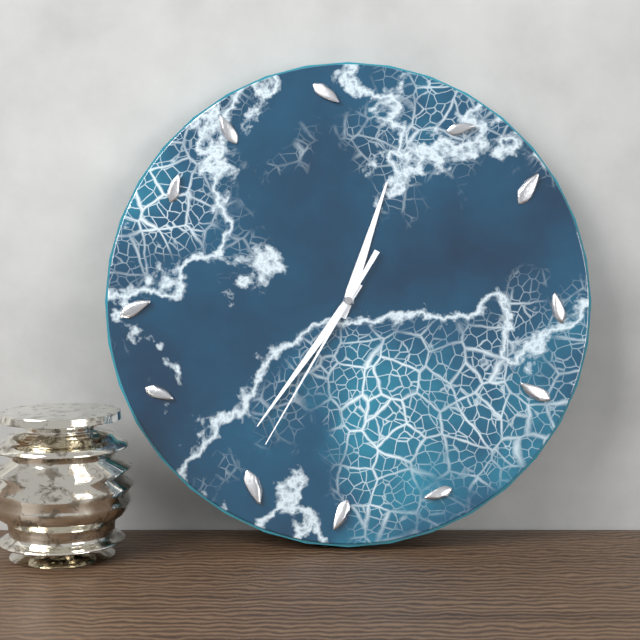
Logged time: 12.36.35
